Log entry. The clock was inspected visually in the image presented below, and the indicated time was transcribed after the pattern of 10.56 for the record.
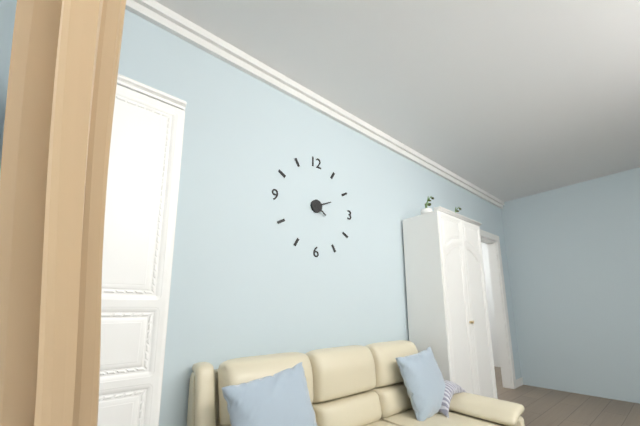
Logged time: 4.11
